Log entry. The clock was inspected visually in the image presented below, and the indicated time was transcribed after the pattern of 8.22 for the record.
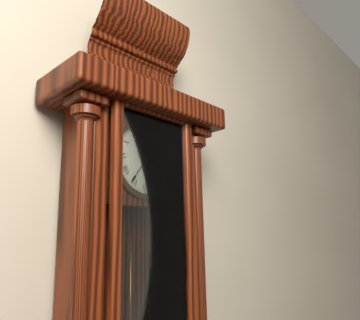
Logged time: 3.36
